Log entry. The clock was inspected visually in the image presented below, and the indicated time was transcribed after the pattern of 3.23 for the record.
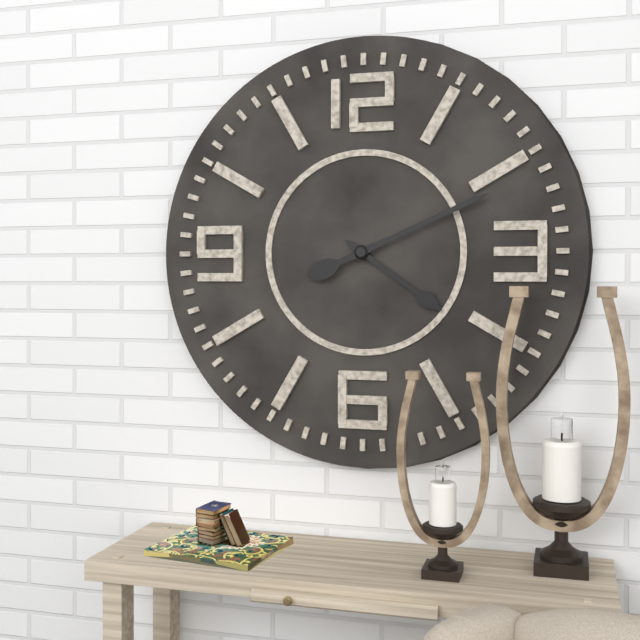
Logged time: 4.11
